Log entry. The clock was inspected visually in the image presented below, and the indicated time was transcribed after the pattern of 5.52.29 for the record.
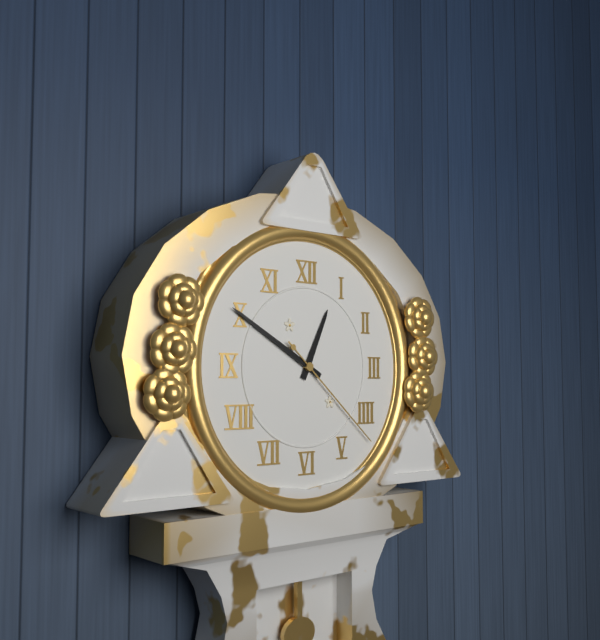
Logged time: 12.50.22
